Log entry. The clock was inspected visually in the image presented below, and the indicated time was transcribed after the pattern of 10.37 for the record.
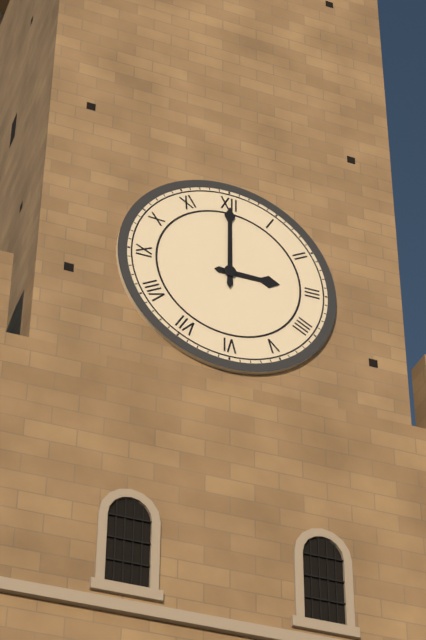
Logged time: 3.00
